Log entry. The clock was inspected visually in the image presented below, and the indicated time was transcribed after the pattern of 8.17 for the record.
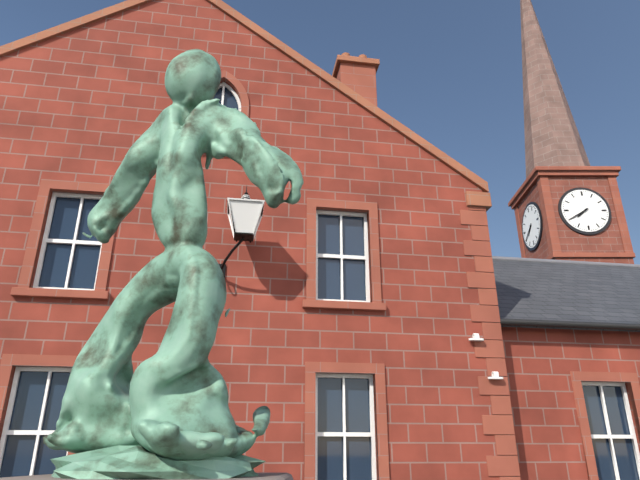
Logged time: 7.40
